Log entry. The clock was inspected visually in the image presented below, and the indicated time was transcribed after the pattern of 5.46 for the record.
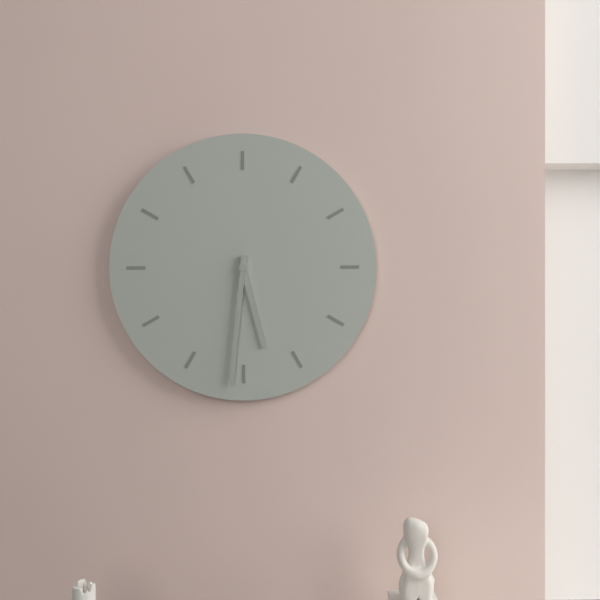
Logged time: 5.31
